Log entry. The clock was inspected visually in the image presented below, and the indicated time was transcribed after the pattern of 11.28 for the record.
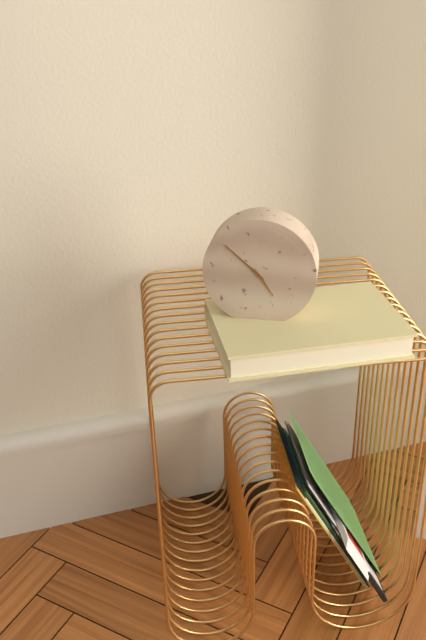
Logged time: 4.52
